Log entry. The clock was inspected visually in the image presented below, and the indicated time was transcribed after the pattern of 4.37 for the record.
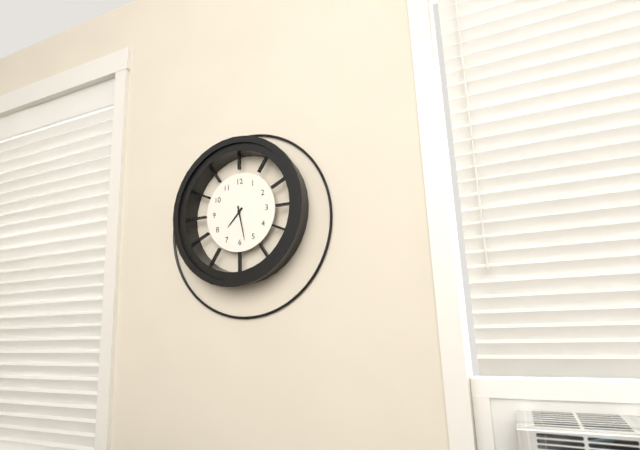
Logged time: 7.28
